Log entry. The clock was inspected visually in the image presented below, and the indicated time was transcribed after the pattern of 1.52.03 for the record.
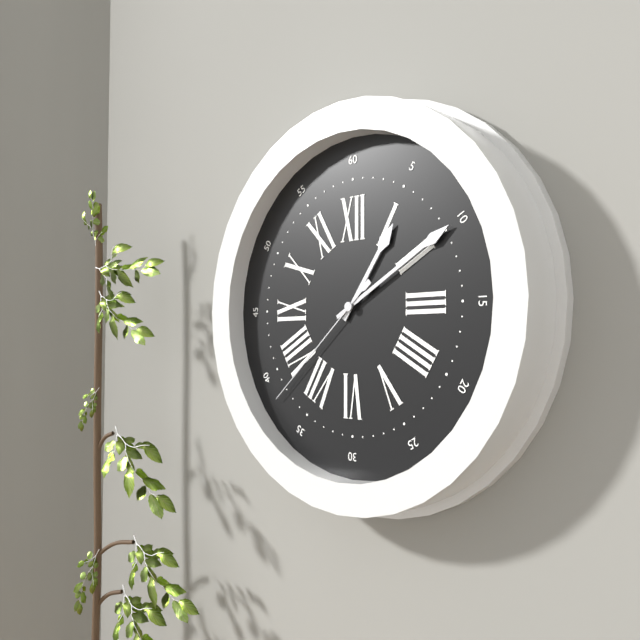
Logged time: 1.10.38
